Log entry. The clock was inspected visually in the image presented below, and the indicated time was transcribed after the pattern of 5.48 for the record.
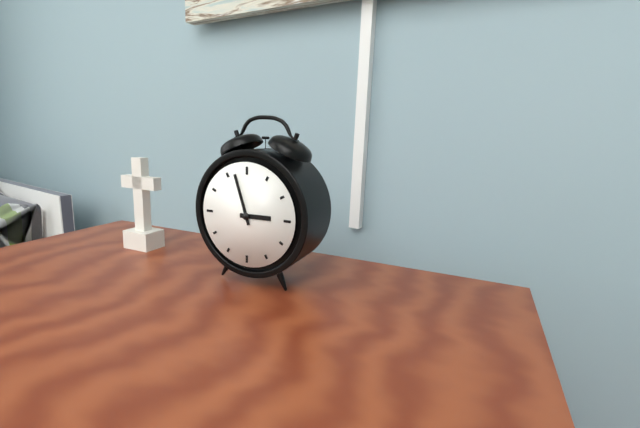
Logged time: 2.57
